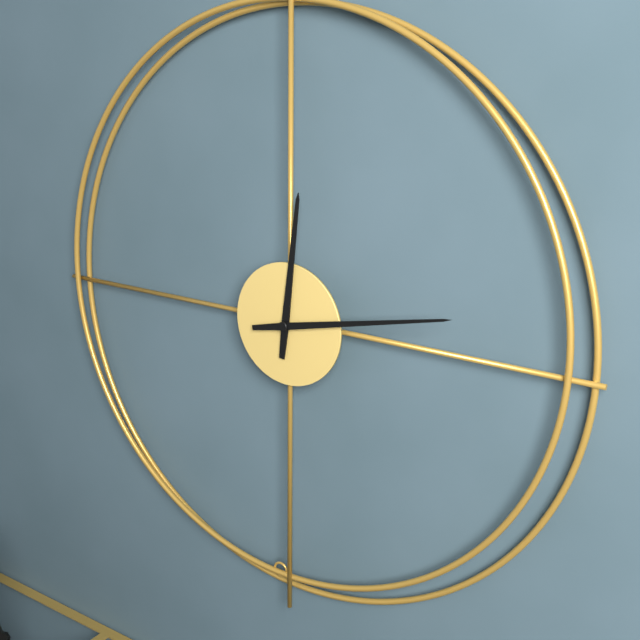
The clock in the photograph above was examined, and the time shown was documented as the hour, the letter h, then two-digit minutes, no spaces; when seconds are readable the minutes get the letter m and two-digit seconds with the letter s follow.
12h13
